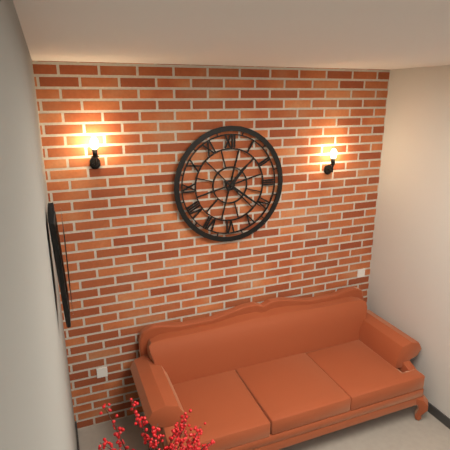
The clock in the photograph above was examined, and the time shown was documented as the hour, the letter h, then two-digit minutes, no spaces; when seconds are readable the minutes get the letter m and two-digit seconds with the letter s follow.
1h21
